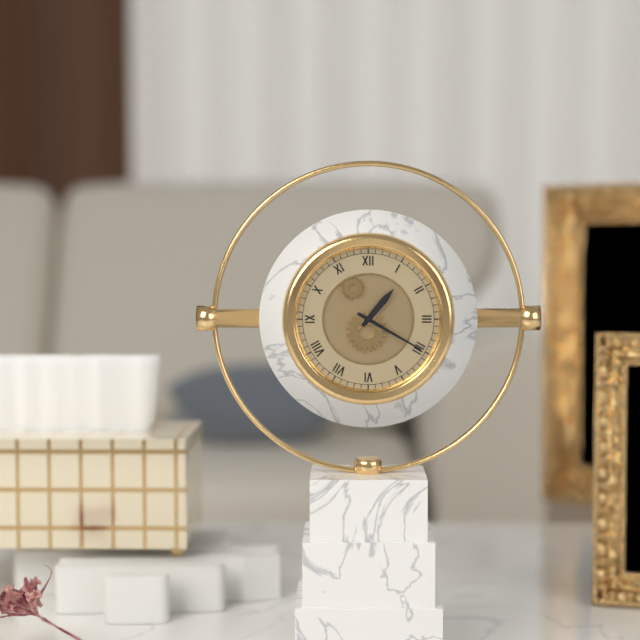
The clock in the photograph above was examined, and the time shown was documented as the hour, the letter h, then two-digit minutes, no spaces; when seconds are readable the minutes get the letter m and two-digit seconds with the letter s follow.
1h20
